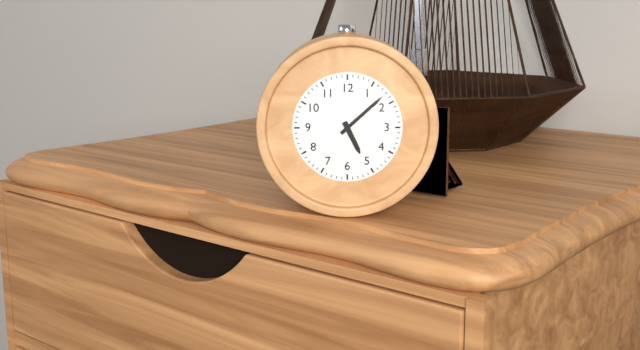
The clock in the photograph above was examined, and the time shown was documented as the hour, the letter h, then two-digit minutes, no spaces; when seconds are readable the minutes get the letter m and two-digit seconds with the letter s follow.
5h08
